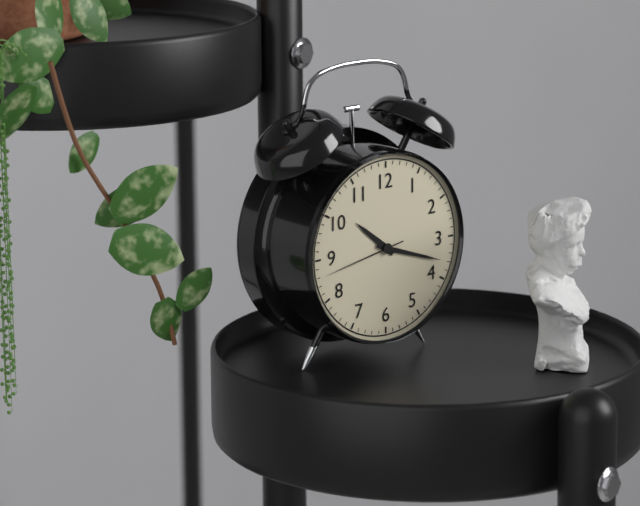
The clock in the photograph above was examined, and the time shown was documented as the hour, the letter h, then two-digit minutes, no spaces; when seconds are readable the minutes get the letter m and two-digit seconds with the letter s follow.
10h18m43s
